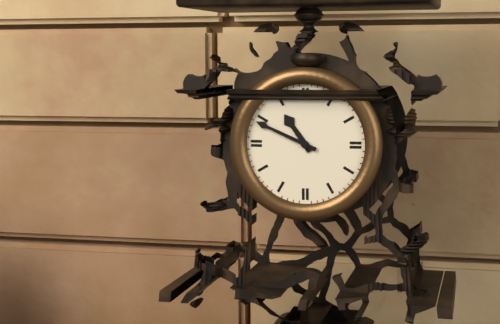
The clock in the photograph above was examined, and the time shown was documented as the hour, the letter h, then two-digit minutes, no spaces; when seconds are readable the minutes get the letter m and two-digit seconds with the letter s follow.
10h49
